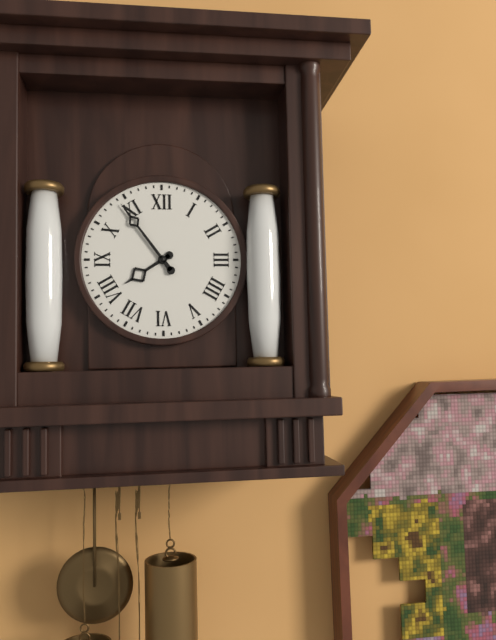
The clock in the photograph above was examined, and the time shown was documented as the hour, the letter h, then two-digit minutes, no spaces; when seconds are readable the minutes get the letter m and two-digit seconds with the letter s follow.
7h54
